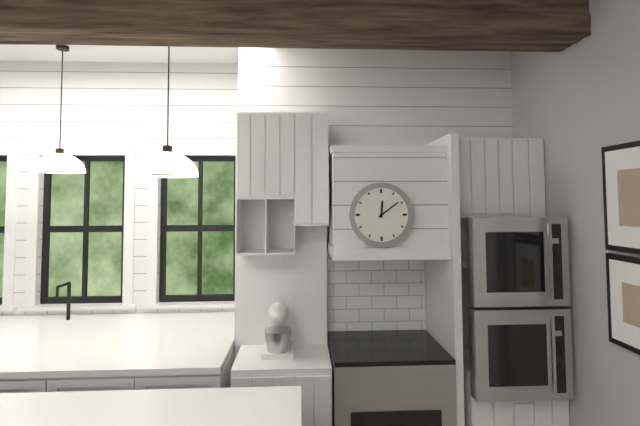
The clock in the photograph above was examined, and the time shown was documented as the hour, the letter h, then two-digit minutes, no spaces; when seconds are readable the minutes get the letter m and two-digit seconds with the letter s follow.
12h09
